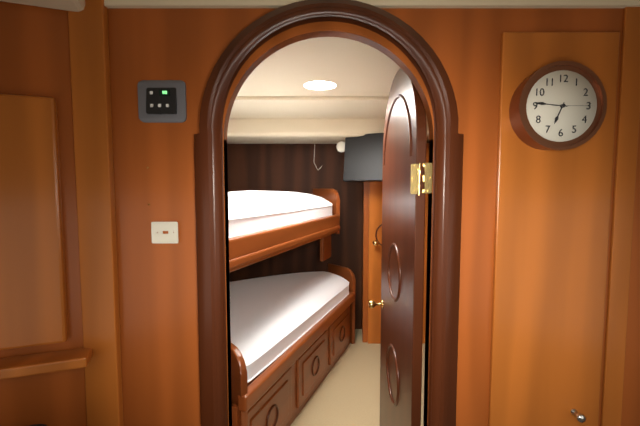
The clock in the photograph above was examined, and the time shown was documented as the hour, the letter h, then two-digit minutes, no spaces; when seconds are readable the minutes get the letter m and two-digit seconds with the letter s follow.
6h46
